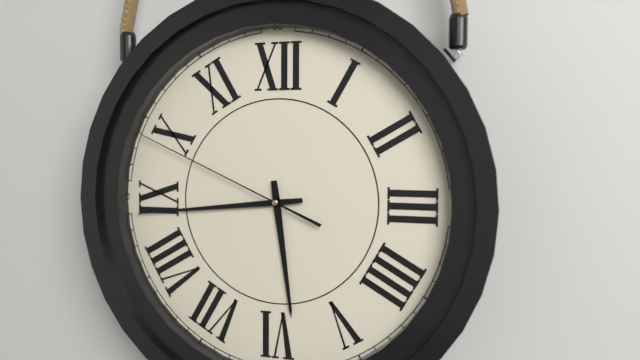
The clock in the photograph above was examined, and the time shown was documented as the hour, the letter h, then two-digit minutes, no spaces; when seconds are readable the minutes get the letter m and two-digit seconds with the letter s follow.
5h44m49s
